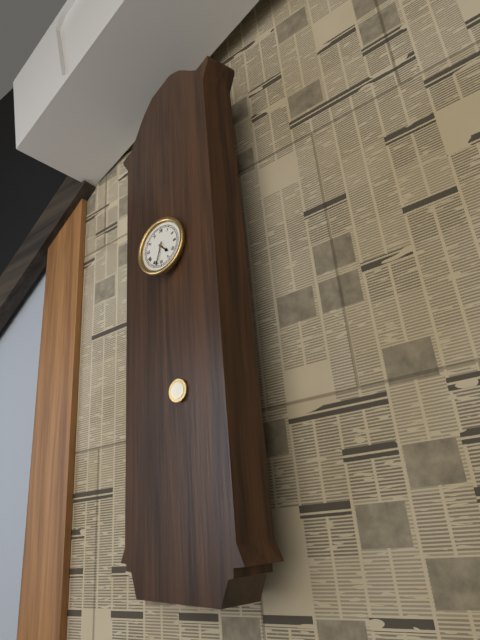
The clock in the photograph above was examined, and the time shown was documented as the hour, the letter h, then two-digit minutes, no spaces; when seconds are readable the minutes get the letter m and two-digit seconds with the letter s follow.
4h33
